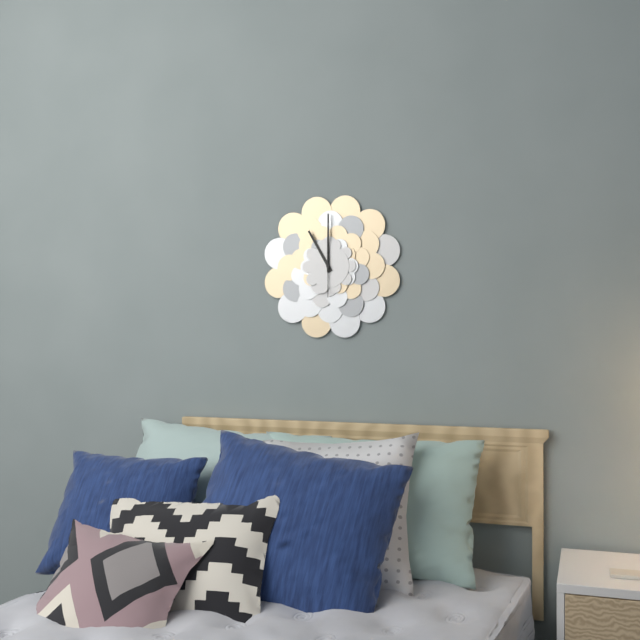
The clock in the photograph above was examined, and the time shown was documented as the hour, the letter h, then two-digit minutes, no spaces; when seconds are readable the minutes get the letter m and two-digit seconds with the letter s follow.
11h00
